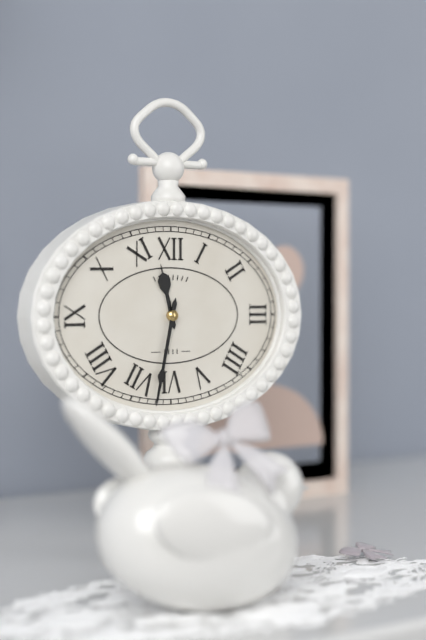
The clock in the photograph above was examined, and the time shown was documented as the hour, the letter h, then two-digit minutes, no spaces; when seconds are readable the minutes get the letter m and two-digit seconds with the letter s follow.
11h32
